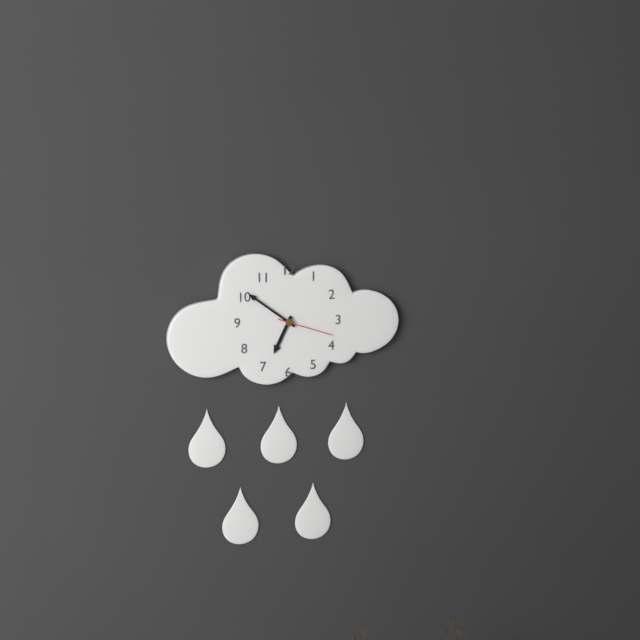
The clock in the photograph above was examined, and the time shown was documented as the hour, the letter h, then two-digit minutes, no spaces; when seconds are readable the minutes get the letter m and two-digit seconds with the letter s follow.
6h51m18s
